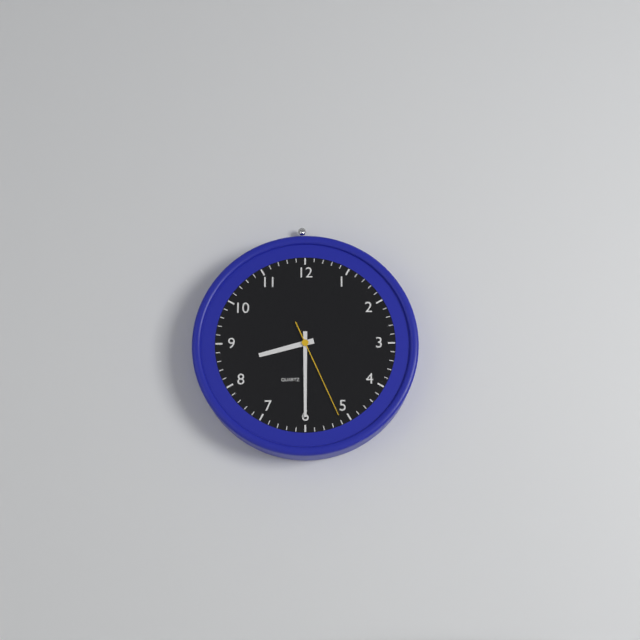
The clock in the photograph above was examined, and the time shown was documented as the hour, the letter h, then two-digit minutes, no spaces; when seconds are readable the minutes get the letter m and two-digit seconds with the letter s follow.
8h30m26s
